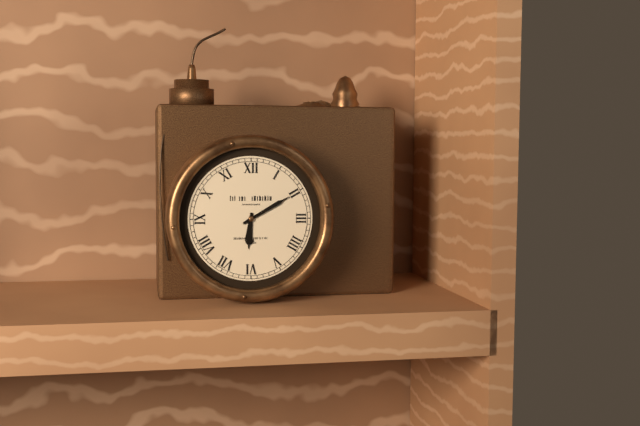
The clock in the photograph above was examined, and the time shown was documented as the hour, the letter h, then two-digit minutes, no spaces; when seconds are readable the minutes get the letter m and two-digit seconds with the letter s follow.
6h10
